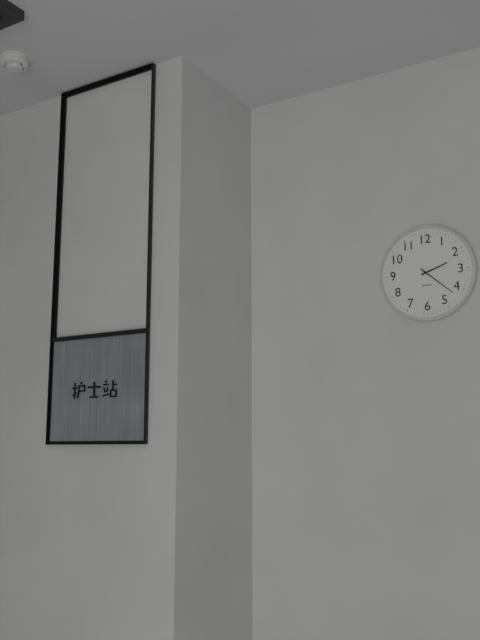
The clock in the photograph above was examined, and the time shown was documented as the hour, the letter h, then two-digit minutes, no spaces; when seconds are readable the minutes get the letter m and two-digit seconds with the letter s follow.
2h22
